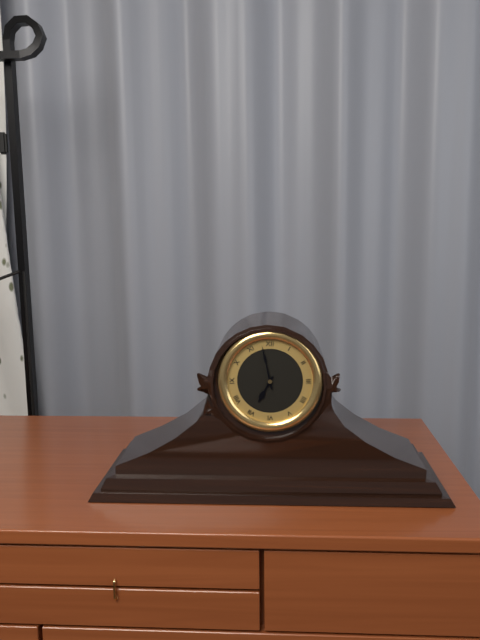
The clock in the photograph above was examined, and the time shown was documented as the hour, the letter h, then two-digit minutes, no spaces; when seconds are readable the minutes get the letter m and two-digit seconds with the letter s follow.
6h58
